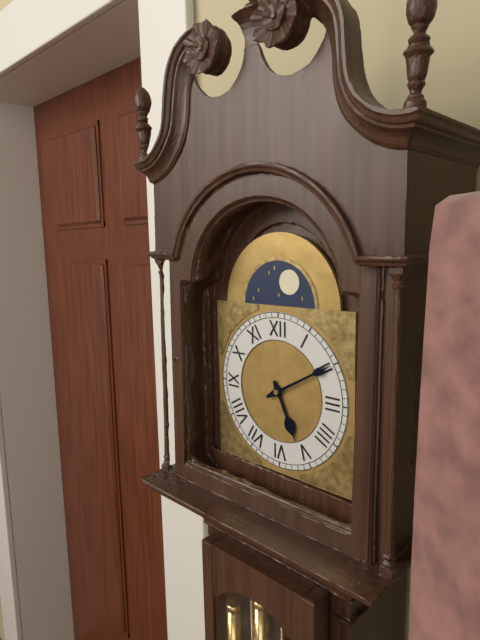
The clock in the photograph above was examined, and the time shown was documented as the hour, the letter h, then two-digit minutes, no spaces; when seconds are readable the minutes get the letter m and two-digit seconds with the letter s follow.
5h10
